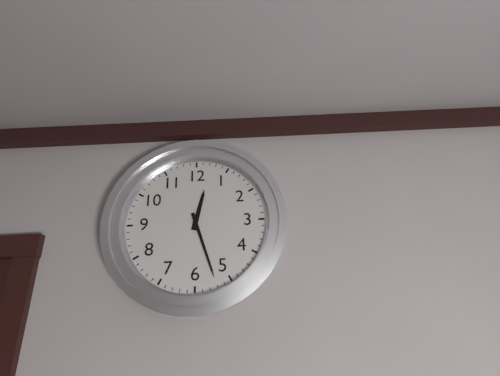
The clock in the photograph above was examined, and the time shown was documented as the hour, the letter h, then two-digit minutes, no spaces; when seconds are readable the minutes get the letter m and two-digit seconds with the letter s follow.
12h27
